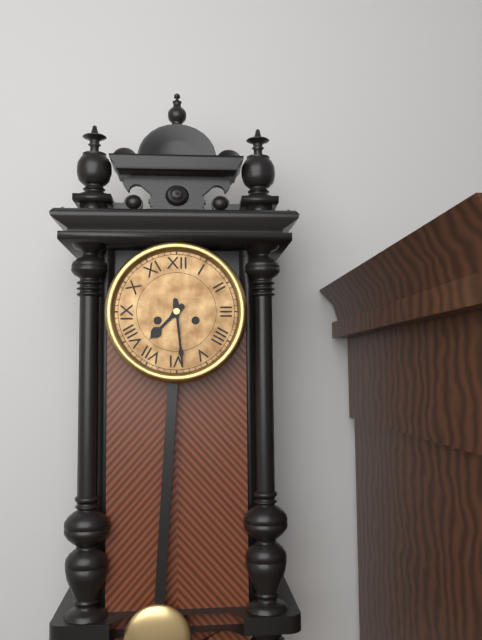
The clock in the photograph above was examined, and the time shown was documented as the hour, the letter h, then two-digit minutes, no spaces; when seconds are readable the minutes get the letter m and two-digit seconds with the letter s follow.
7h29
